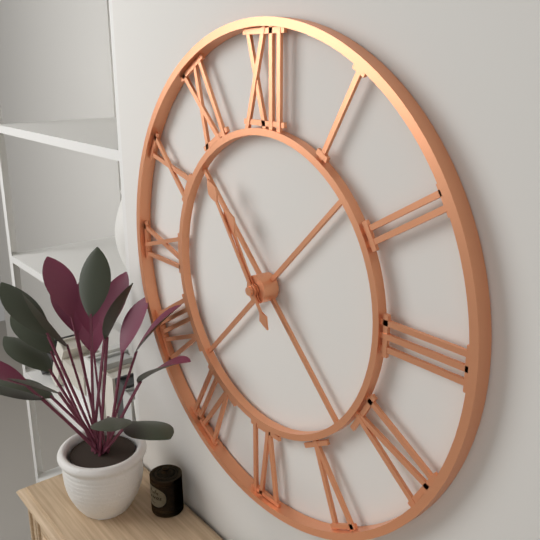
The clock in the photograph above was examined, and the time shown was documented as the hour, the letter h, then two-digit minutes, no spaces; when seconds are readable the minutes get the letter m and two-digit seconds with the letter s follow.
10h54
